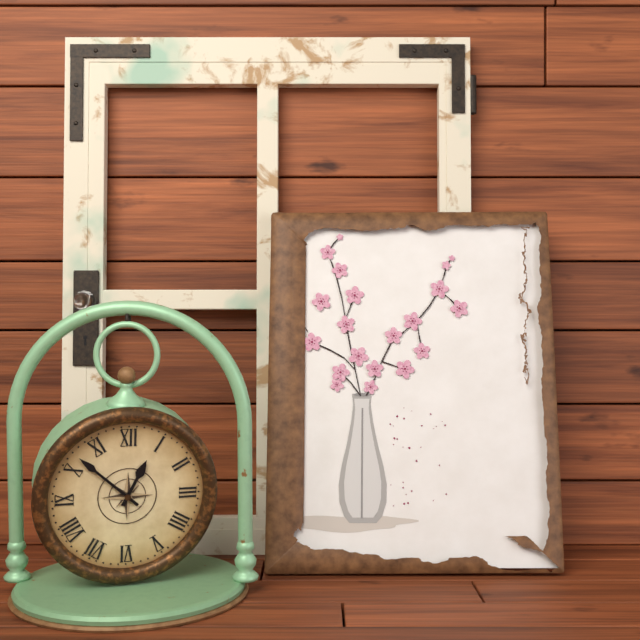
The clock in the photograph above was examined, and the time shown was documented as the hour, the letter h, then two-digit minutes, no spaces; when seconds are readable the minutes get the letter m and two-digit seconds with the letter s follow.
12h52
